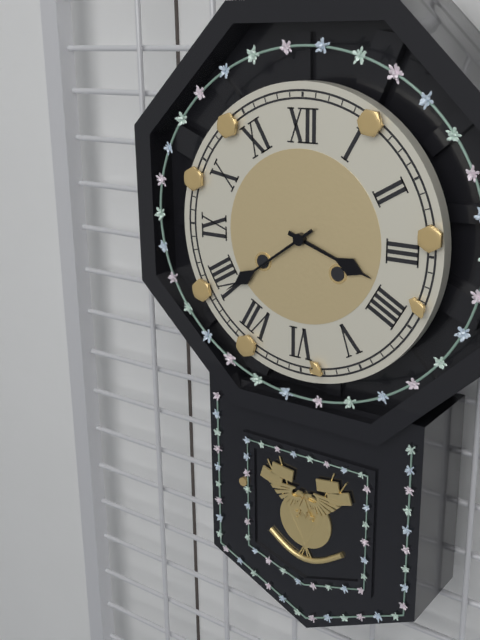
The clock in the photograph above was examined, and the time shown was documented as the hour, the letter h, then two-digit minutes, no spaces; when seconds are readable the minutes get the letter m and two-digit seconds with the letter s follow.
3h39
